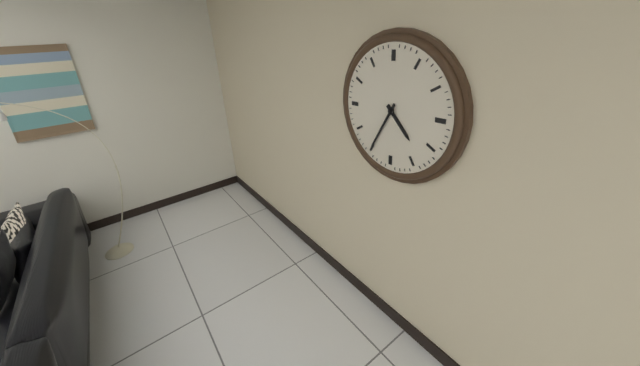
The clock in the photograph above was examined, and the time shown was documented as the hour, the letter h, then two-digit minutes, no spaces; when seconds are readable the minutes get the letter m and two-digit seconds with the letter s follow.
4h35
